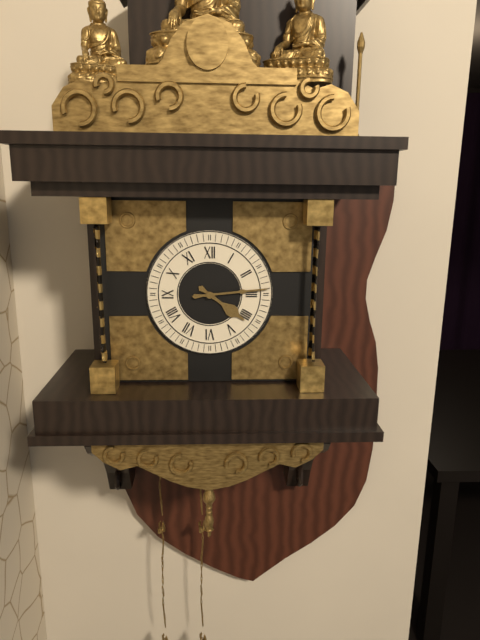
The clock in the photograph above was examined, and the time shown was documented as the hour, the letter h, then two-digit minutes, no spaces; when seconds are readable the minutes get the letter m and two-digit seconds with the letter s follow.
4h14
